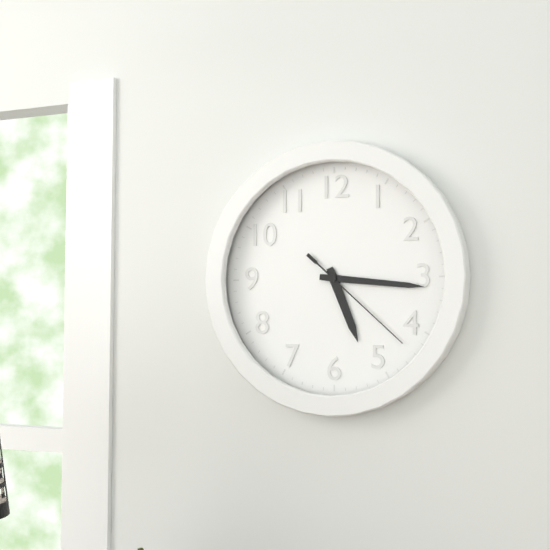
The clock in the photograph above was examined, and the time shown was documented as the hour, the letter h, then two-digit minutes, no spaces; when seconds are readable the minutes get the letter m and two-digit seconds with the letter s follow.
5h16m22s
